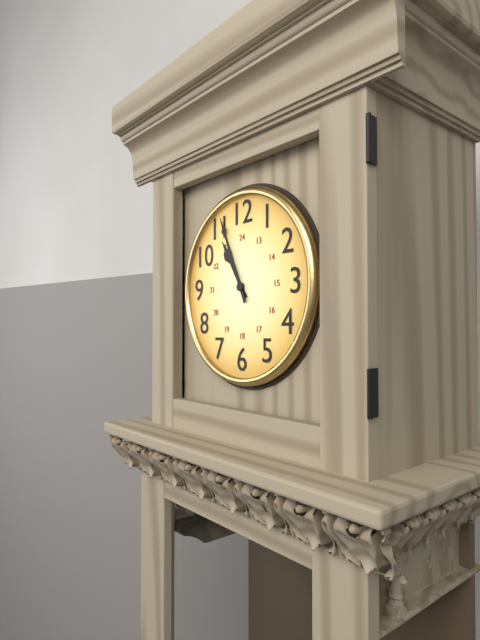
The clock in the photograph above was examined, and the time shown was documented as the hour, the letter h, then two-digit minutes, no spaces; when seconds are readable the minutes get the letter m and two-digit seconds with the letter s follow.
10h56
